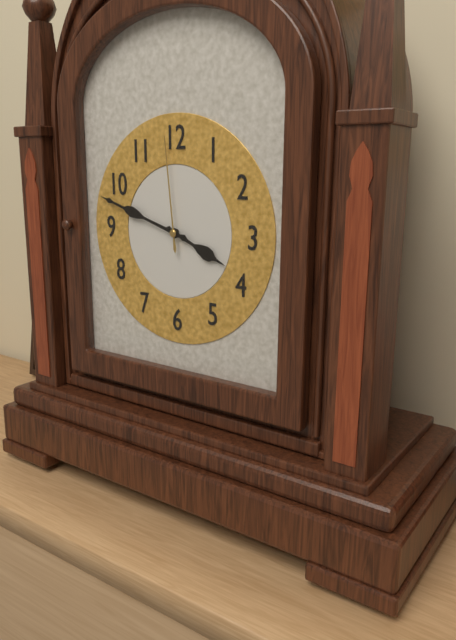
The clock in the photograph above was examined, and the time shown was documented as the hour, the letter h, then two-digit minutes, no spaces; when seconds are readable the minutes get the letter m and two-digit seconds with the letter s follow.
3h48m59s
